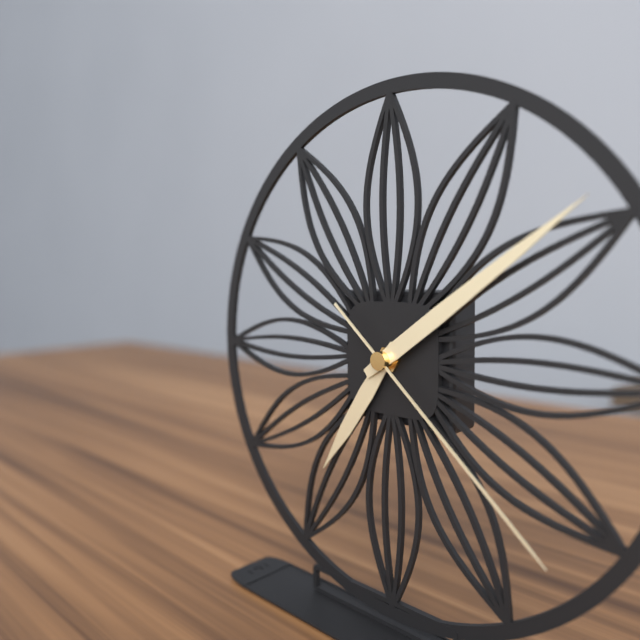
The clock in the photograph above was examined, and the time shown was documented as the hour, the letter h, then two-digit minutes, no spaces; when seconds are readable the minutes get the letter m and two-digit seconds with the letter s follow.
7h09m22s
